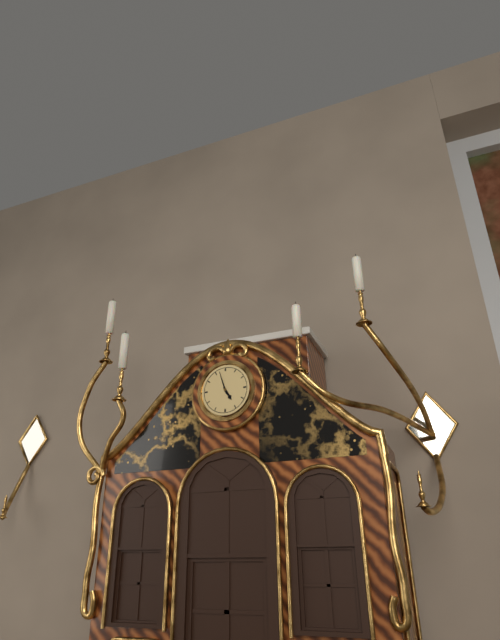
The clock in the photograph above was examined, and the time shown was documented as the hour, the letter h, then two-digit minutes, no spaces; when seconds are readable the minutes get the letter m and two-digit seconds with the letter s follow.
4h57
